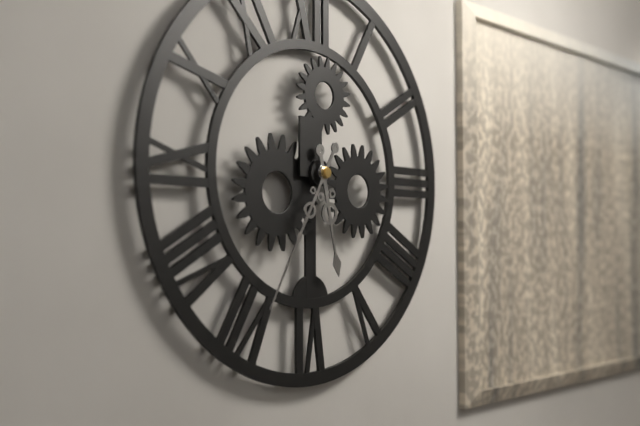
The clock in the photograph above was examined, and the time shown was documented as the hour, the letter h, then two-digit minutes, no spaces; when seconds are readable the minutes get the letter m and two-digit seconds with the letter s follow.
5h35
